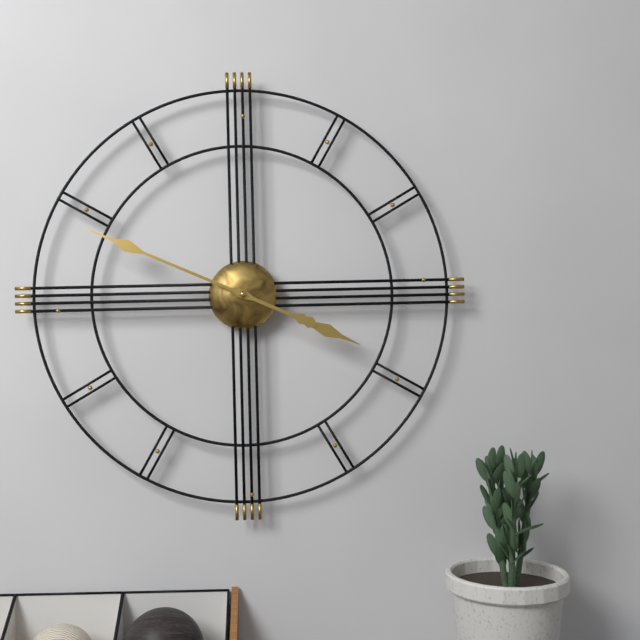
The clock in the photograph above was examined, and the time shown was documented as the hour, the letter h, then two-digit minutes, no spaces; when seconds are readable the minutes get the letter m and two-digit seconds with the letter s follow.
3h49
